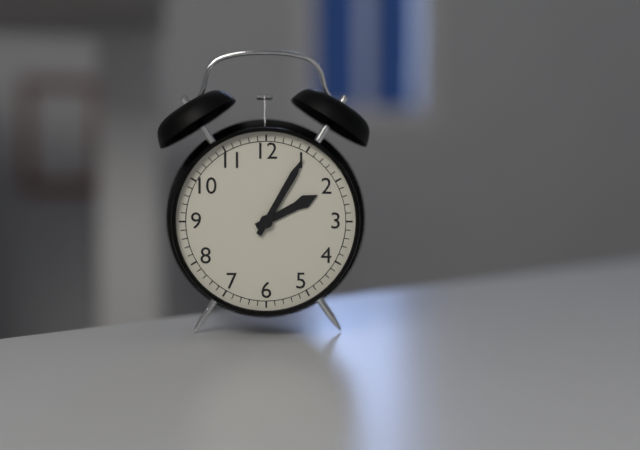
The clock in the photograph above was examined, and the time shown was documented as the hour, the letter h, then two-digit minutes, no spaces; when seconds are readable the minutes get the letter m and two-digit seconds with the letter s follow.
2h05
